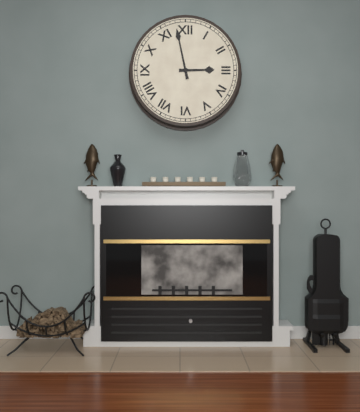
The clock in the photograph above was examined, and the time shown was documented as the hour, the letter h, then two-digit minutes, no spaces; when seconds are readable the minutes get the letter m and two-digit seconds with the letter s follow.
2h58
